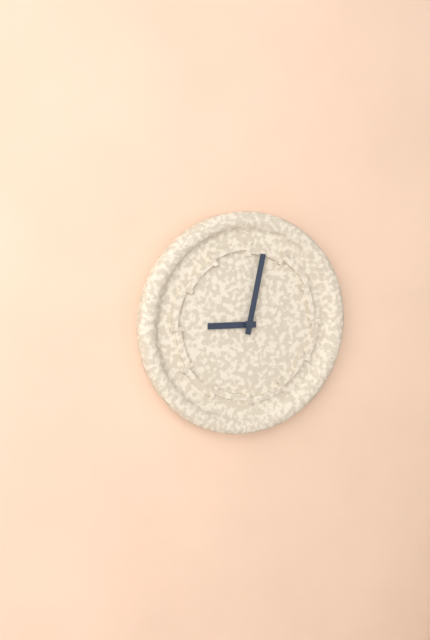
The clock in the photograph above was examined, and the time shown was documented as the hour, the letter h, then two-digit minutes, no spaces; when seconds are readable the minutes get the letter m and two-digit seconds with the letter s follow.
9h02
